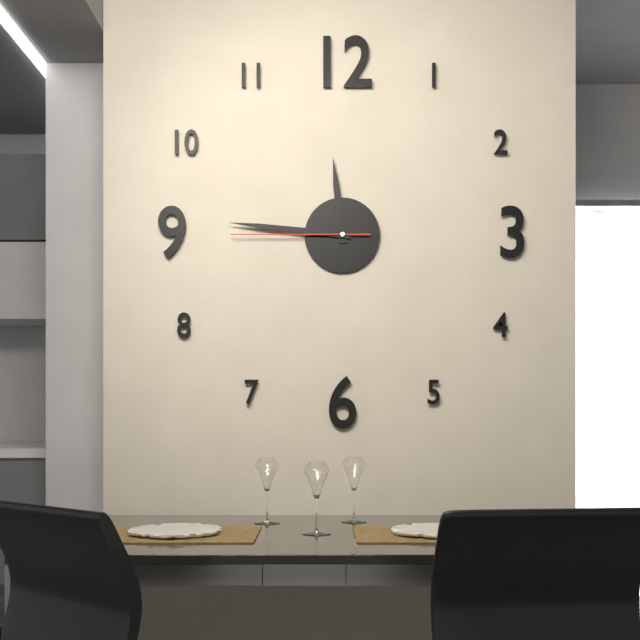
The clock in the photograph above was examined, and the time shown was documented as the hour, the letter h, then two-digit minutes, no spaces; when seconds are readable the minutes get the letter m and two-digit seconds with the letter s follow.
11h46m45s
